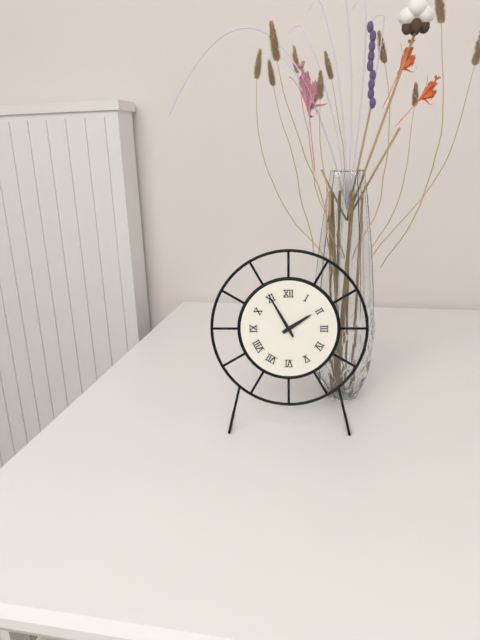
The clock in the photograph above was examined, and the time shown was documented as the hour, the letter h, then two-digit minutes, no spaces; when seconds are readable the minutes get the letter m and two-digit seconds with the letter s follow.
1h55
